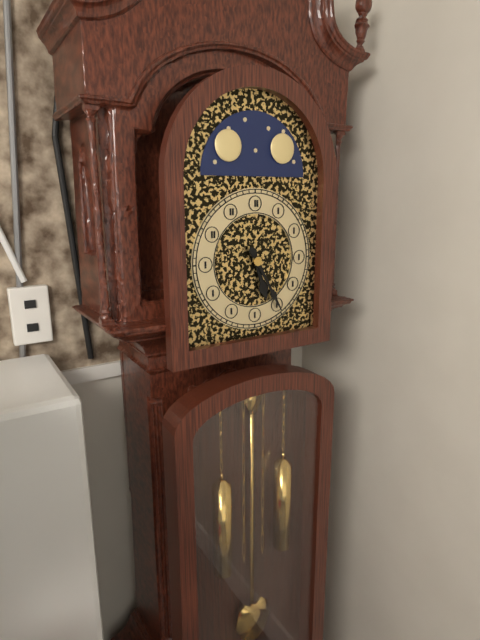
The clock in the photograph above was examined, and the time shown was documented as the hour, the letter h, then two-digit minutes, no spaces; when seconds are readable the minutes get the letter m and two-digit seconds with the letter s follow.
5h25
